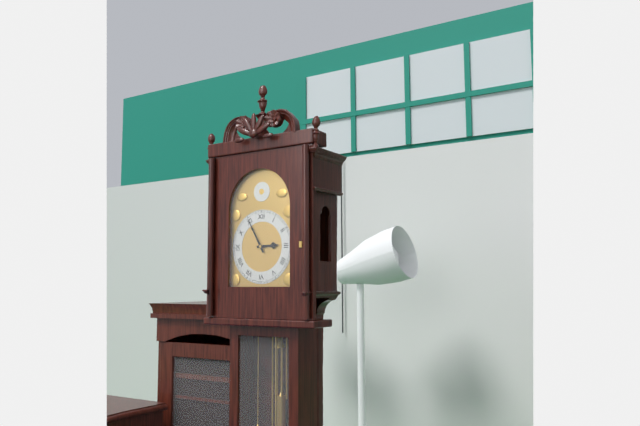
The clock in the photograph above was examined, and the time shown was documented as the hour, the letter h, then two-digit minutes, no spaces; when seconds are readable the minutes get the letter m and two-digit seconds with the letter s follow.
2h55
